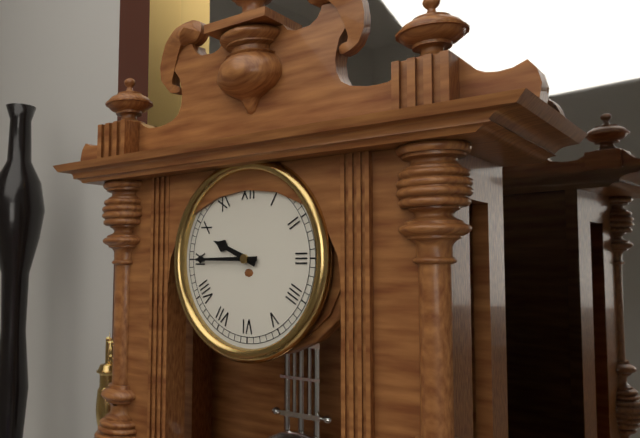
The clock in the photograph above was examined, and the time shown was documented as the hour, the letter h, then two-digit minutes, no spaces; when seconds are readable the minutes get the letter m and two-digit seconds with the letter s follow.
9h45
